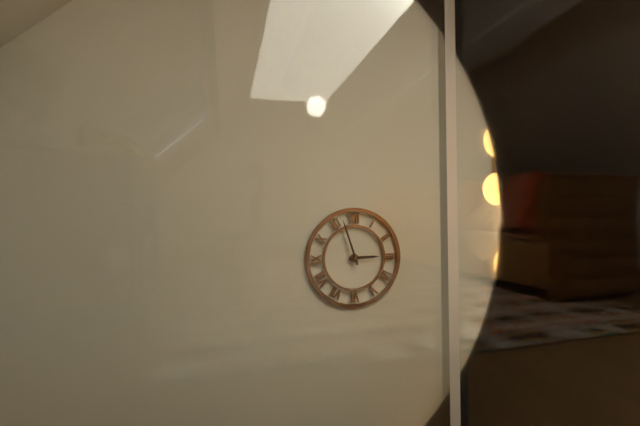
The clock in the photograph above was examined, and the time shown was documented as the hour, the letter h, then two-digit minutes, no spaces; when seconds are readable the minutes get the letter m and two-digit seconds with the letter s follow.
2h57
